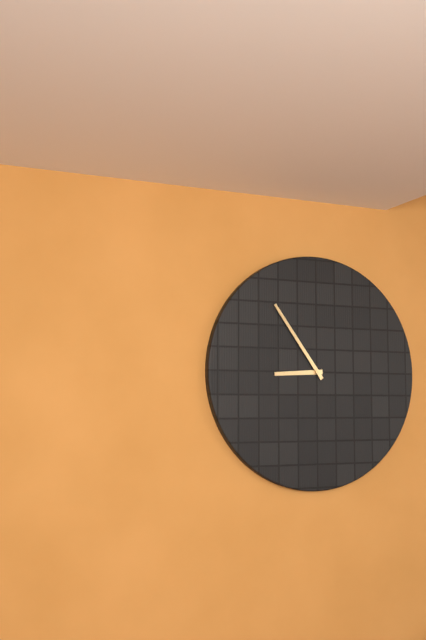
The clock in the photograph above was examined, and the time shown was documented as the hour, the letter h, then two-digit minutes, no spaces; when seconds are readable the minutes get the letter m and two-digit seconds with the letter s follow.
8h54
